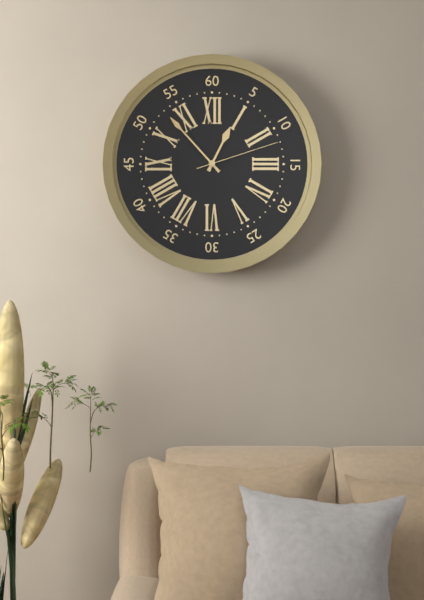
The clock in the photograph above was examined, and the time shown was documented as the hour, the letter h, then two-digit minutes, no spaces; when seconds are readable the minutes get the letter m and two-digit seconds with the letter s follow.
12h53m12s
